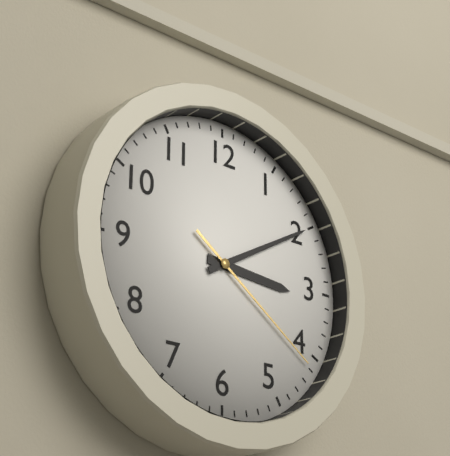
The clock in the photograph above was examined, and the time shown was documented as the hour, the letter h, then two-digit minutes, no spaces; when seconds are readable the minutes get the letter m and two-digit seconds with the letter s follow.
3h10m21s
